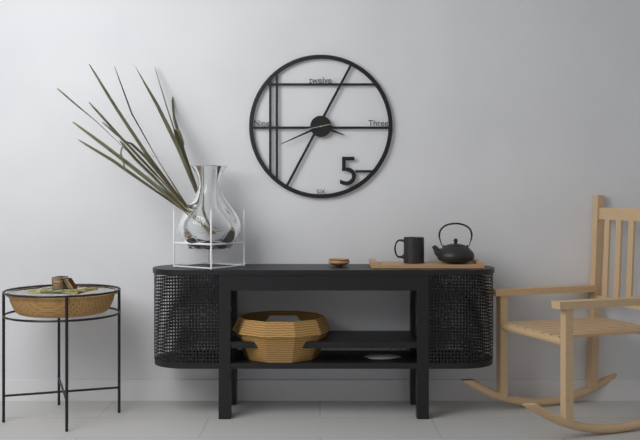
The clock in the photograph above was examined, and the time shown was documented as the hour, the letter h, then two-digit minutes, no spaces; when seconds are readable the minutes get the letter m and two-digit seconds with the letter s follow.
3h41
